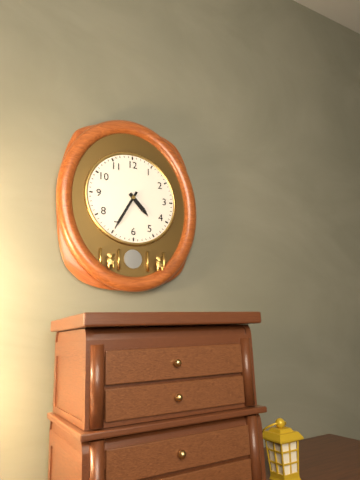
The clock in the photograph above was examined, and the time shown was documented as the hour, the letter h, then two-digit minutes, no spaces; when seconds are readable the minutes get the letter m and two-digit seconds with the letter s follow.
4h35
